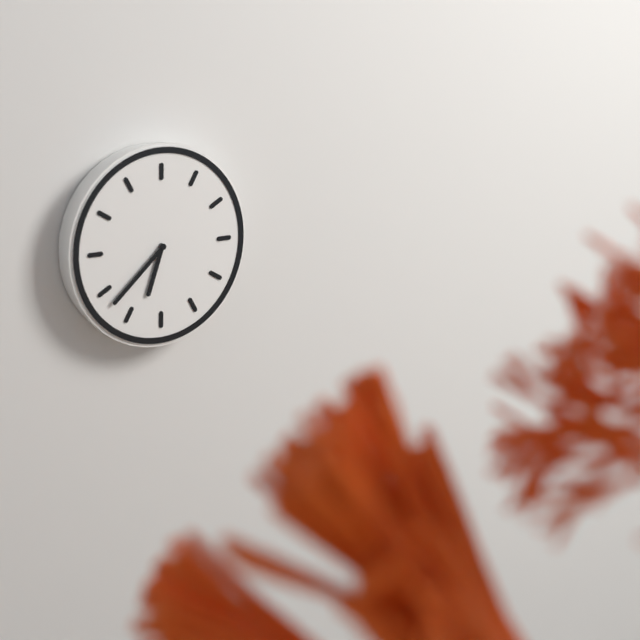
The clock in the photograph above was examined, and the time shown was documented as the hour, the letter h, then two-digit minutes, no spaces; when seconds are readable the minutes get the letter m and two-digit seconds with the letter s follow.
6h38
